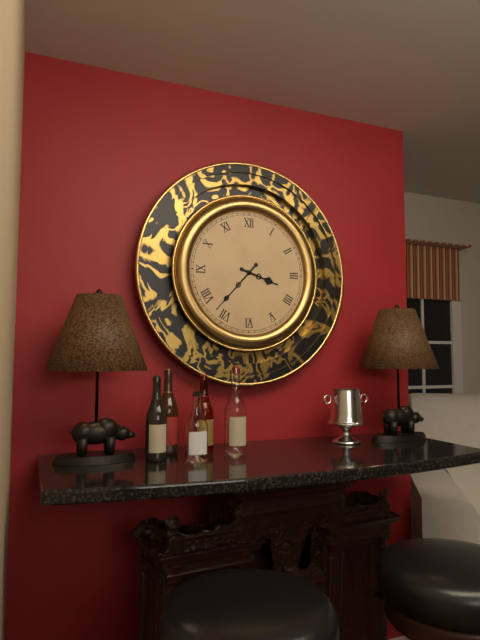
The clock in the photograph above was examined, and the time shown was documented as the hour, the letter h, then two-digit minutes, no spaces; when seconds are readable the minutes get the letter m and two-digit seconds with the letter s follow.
3h37
